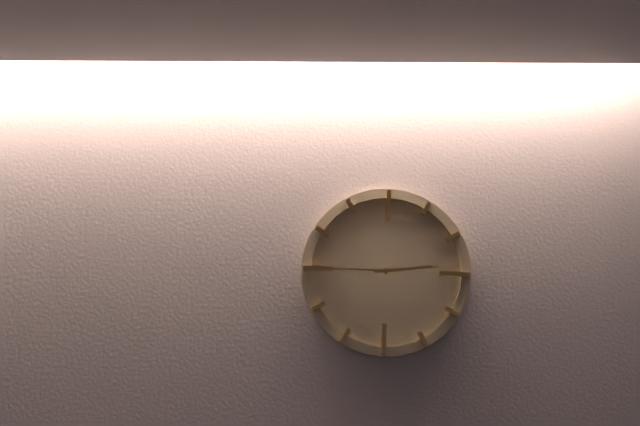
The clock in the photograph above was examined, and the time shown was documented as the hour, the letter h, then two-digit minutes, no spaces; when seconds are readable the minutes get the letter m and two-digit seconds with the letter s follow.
2h45
